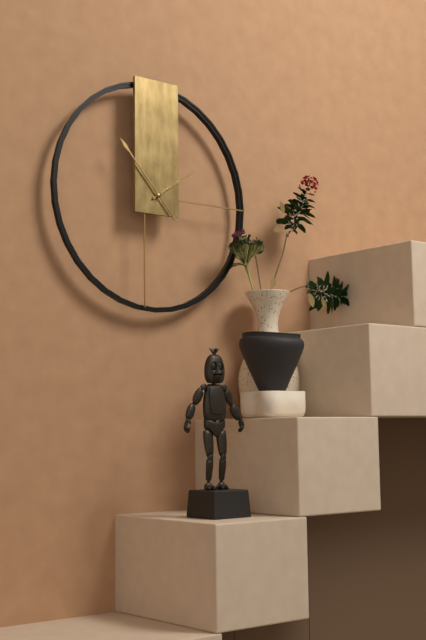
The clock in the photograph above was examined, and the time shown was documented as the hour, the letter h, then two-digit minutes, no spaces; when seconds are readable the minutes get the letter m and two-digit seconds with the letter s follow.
1h53
